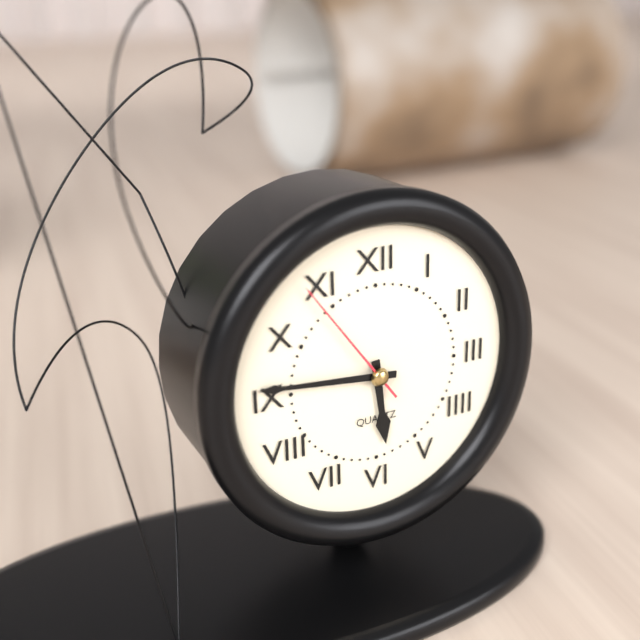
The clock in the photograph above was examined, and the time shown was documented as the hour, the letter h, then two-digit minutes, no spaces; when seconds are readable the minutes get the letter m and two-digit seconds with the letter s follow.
5h46m54s
